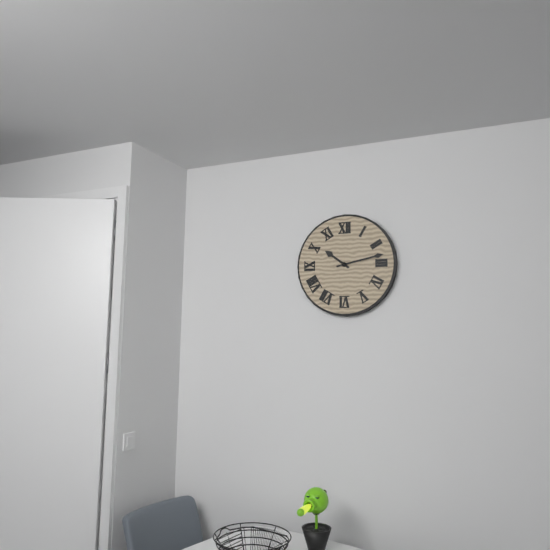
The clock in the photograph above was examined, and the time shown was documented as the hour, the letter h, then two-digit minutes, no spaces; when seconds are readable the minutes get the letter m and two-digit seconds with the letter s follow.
10h13
